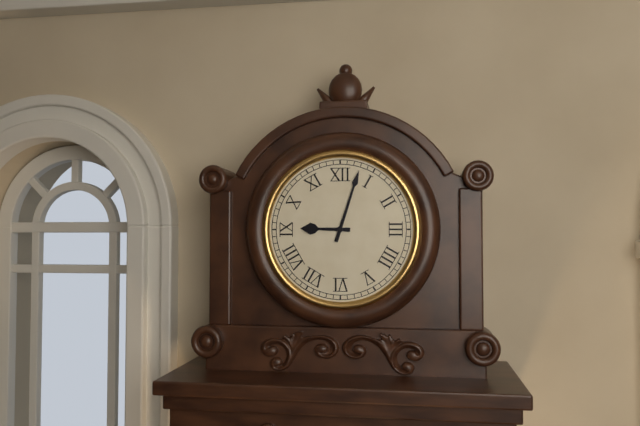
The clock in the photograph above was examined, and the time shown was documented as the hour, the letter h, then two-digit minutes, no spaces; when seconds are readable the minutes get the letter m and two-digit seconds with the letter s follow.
9h03
